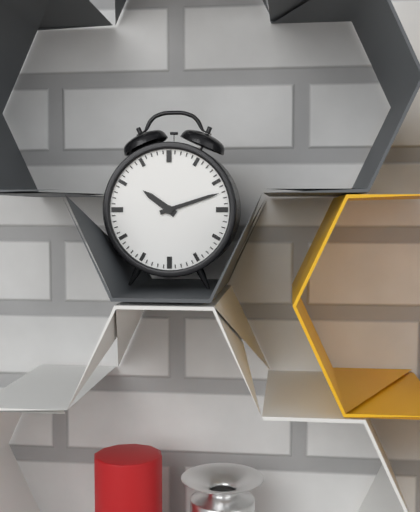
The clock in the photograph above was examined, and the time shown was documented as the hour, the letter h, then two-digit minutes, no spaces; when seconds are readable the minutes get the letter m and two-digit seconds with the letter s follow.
10h12
